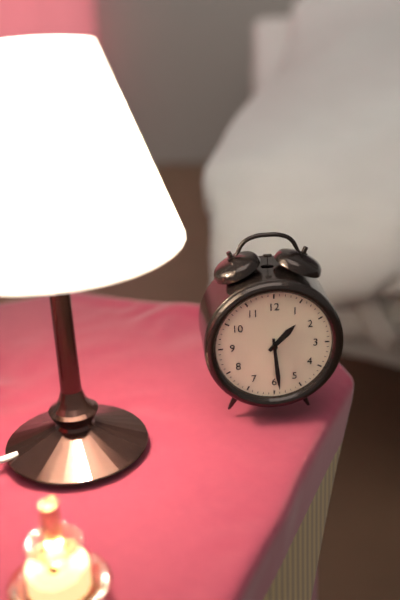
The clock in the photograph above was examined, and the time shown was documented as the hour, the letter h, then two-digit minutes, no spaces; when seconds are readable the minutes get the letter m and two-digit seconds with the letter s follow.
1h29
